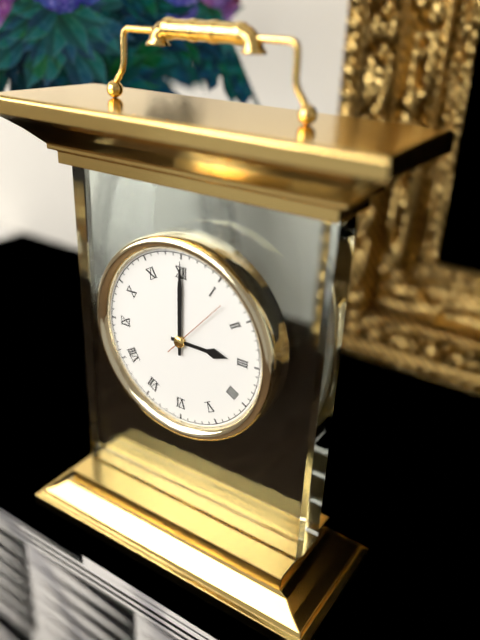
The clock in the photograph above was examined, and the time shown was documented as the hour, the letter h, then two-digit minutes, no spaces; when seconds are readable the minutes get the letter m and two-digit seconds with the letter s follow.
3h00m07s
